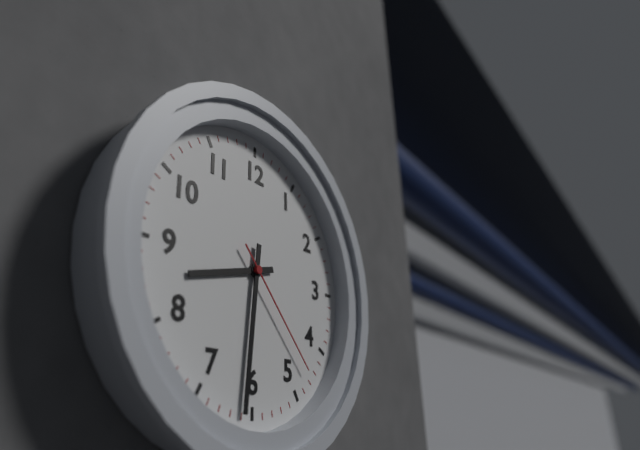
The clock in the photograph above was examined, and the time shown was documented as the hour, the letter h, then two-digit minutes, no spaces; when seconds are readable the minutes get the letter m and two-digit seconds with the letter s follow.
8h31m23s
